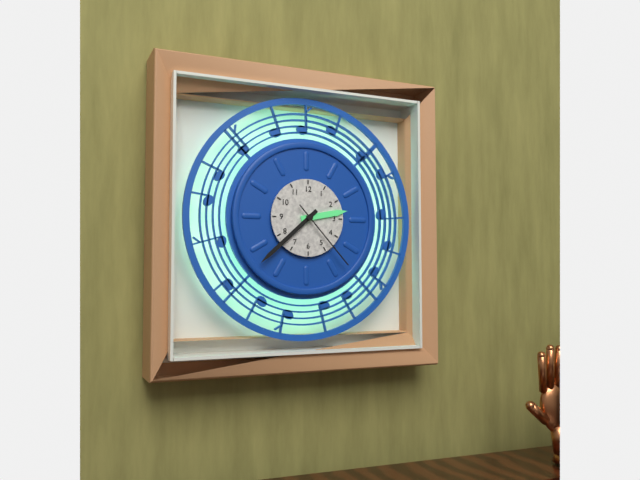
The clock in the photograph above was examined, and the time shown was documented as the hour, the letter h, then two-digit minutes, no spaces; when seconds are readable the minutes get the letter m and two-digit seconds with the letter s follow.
2h38m23s
